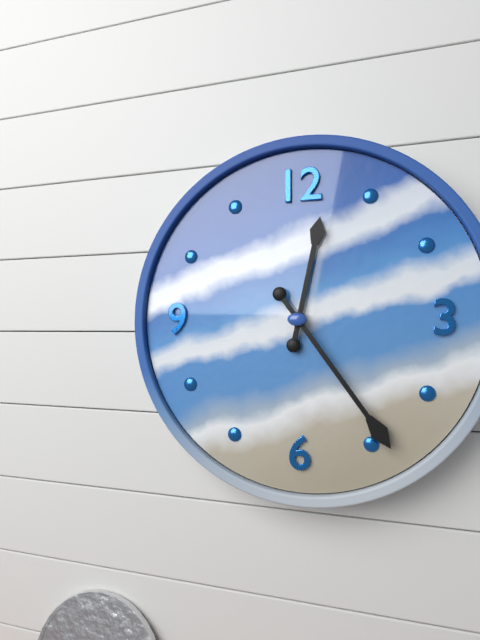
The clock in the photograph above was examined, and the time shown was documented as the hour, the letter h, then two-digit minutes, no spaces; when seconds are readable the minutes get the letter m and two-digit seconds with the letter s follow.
12h24
